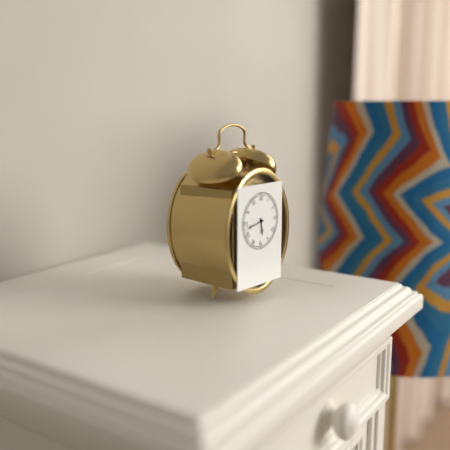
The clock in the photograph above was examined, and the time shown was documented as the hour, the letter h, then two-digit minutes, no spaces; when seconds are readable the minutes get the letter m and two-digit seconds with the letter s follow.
5h43
